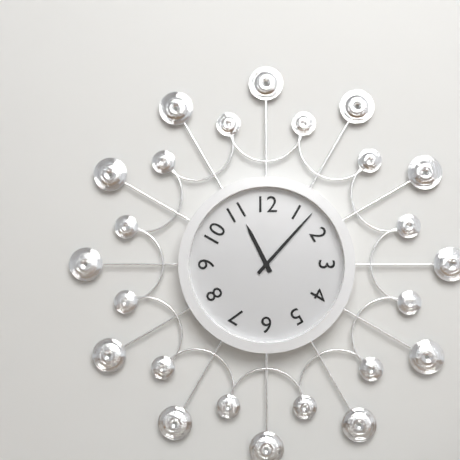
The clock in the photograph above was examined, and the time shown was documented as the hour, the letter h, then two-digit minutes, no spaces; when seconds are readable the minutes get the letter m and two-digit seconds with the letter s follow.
11h07
